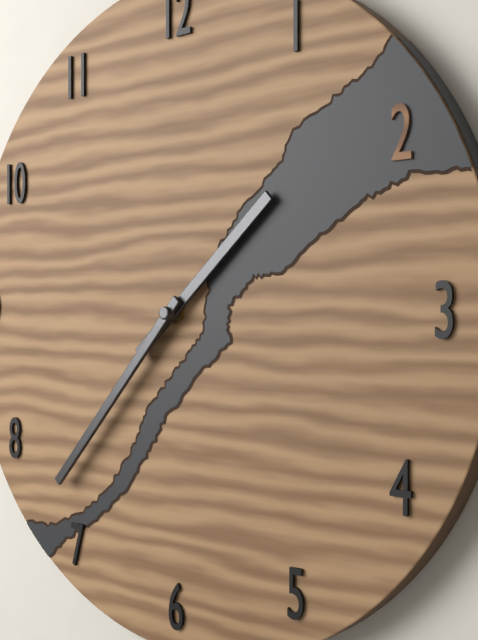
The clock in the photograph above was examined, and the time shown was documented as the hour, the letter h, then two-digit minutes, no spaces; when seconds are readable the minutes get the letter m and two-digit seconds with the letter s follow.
1h37
